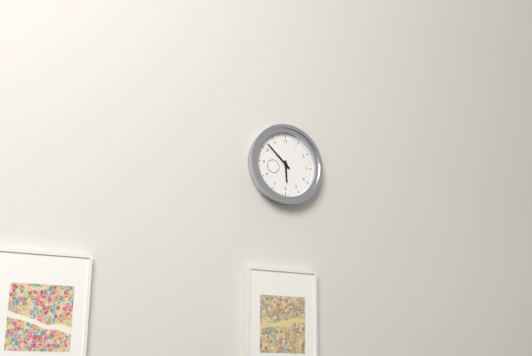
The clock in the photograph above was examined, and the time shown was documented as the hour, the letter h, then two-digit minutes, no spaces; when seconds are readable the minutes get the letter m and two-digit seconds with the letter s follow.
5h52
